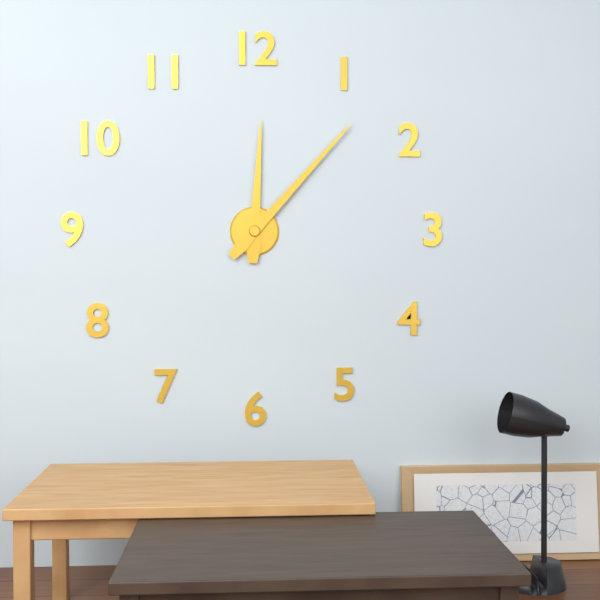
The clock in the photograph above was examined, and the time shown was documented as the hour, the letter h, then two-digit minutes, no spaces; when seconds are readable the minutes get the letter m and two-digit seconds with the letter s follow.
12h07
